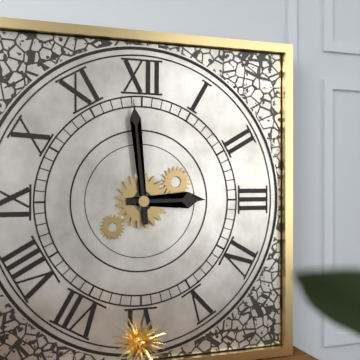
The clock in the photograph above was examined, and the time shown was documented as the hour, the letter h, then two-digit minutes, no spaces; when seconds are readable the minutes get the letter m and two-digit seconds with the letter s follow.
2h59
